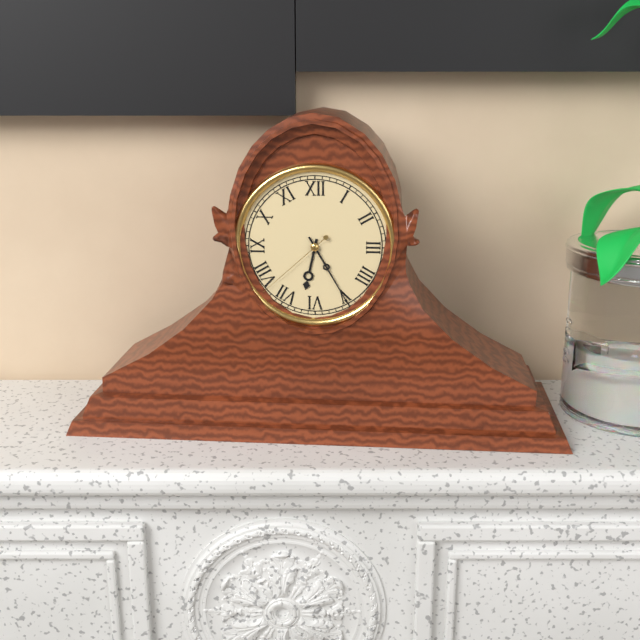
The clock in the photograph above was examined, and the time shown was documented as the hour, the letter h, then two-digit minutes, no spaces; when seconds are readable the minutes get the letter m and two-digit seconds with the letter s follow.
6h25m38s
